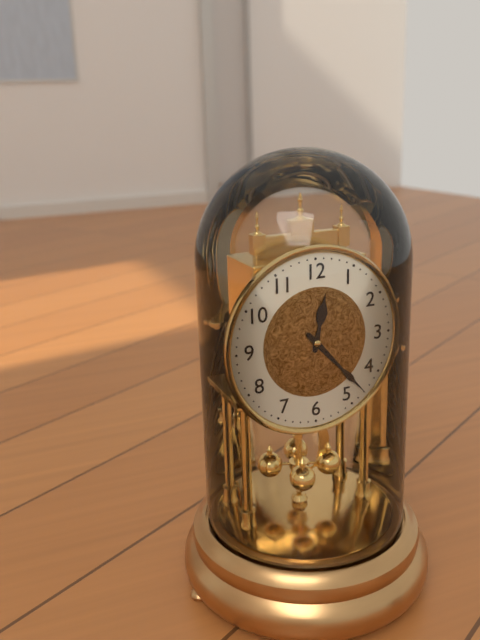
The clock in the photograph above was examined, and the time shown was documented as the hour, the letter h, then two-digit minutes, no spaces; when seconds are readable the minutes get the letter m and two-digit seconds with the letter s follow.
12h23
